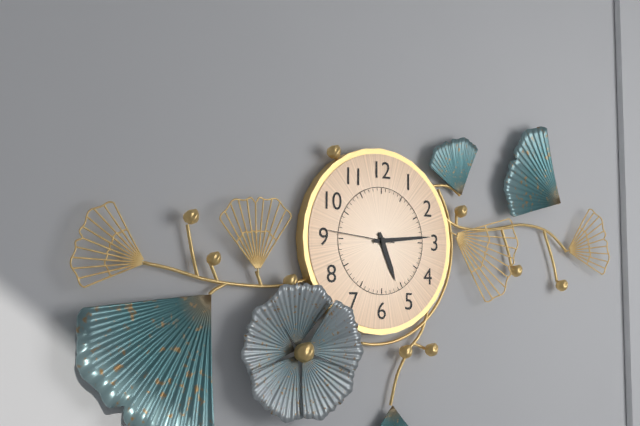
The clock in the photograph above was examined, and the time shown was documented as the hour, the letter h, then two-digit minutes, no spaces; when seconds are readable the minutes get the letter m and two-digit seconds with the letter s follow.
5h14m46s
